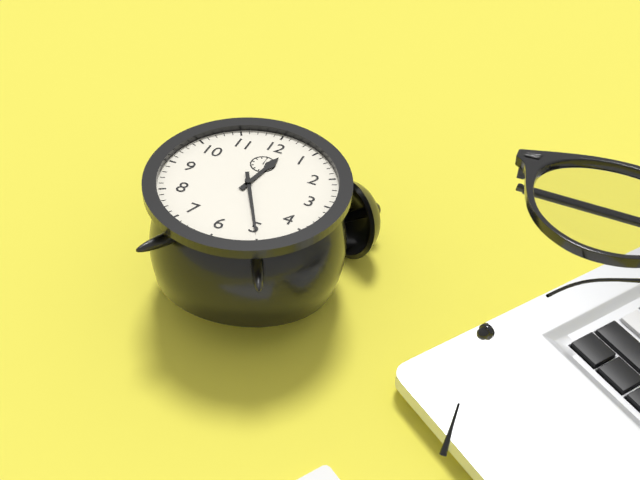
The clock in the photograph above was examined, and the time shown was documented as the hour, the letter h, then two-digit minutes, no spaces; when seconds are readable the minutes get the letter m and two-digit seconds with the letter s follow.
12h25
